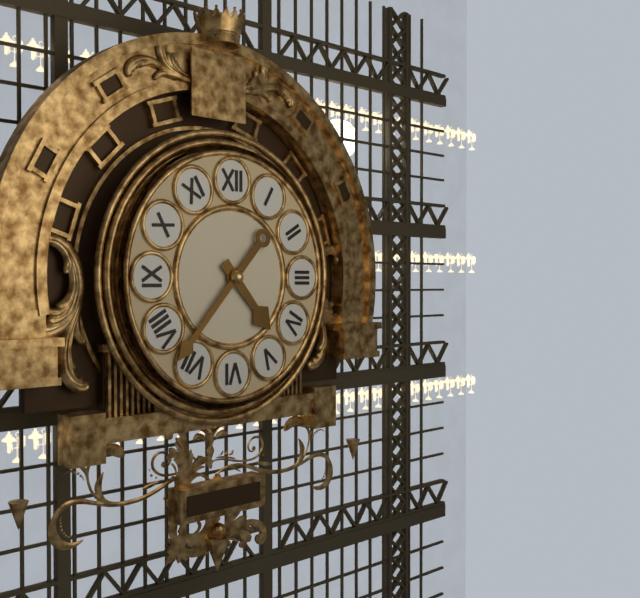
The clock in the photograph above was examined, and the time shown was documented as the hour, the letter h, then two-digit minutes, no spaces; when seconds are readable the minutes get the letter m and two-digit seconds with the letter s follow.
4h37
